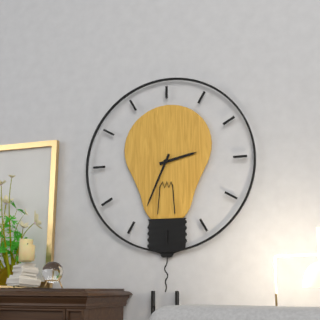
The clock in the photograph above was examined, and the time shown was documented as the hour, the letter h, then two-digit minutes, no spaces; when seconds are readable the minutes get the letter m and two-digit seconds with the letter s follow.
2h34
